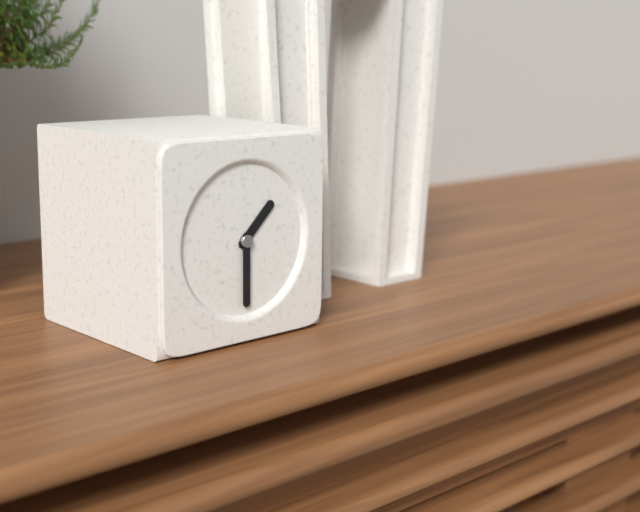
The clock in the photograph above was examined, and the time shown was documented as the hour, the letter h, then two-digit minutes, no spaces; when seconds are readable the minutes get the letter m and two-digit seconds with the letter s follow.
1h30
